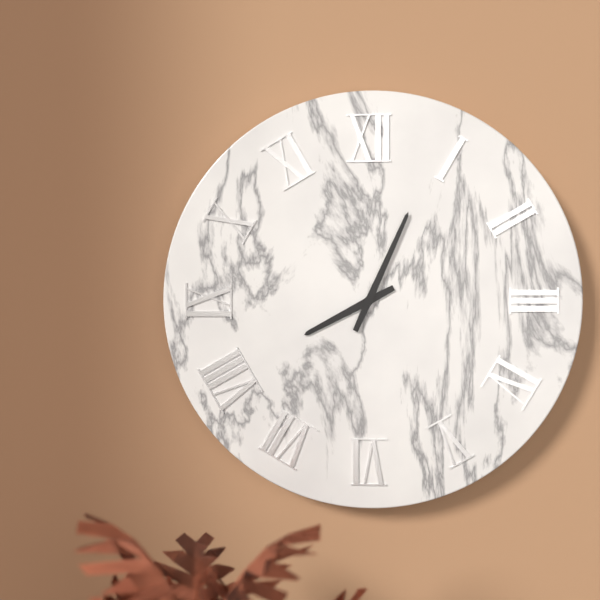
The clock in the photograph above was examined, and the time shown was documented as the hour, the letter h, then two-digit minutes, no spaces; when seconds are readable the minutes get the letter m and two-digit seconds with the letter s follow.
8h04
